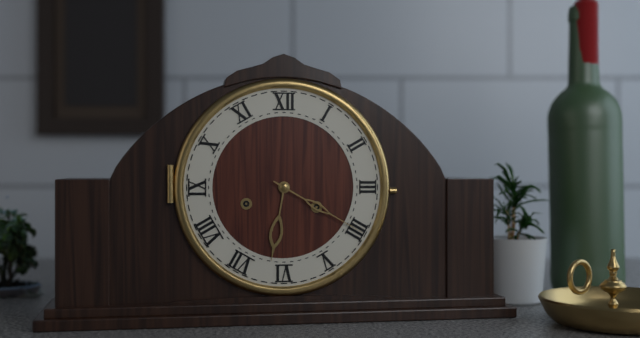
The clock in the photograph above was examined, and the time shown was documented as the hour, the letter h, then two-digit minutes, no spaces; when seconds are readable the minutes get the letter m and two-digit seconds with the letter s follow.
6h20
